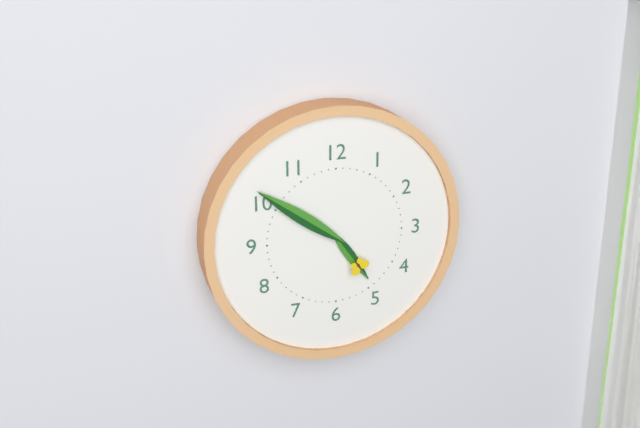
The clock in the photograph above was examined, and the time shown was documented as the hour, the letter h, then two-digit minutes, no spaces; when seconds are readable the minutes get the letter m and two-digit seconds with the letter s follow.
4h51
